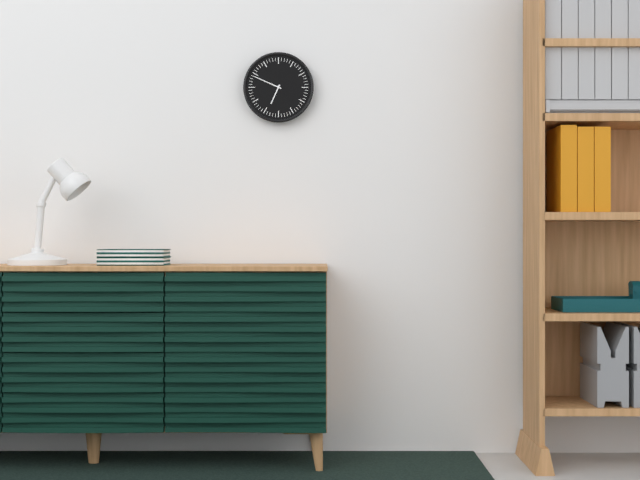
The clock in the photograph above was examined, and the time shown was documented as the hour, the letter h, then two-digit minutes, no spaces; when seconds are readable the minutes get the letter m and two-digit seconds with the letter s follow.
6h49
